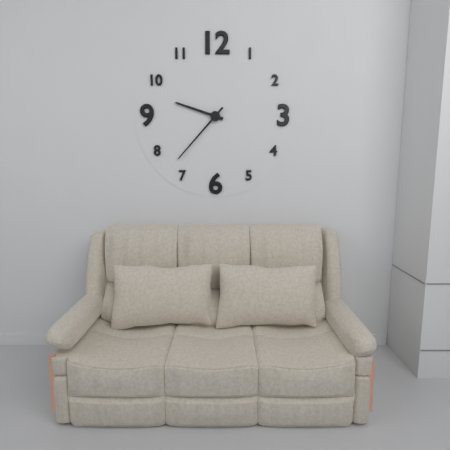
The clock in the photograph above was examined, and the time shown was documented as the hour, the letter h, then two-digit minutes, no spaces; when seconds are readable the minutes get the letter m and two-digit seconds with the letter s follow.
9h37
